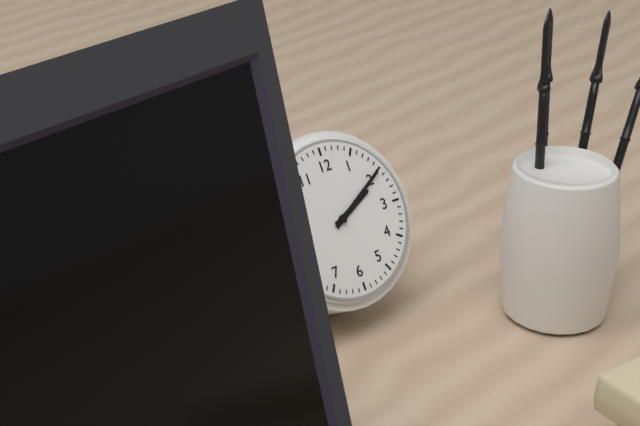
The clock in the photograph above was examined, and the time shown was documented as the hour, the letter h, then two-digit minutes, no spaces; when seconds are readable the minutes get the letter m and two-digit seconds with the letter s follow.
2h10
